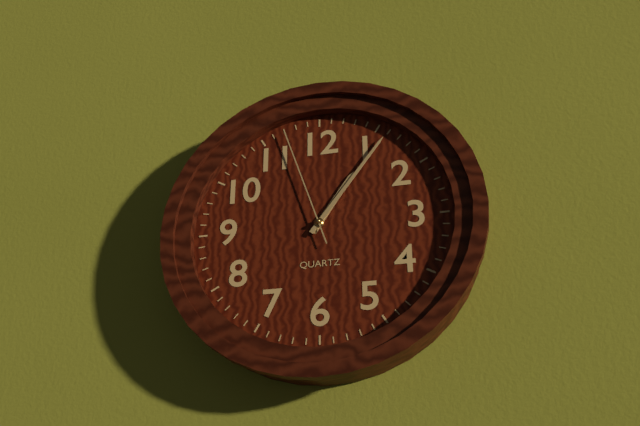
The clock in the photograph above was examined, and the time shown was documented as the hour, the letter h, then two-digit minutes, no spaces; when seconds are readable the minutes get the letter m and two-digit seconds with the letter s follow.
1h06m57s
